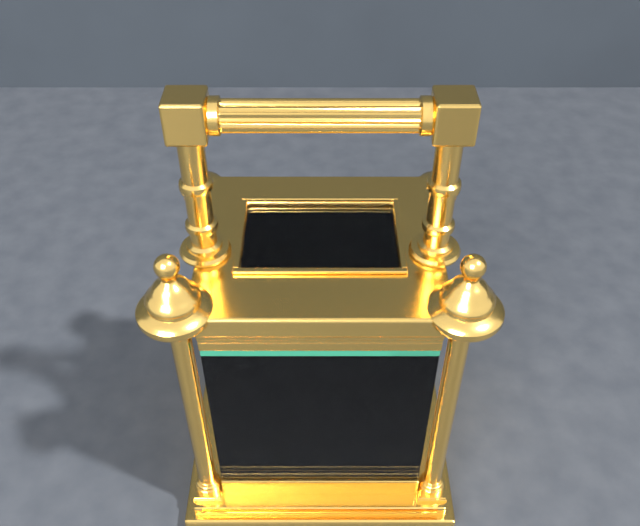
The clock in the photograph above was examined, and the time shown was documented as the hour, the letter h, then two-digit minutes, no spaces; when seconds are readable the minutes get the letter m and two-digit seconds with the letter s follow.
1h48
